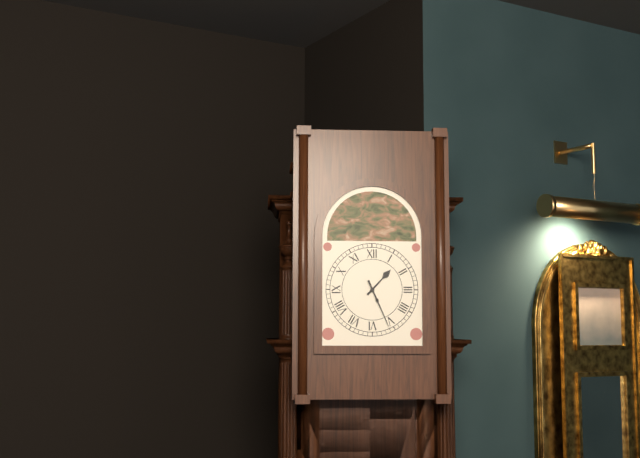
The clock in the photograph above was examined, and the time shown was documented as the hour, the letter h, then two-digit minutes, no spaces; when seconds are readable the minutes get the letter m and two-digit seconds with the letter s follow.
1h26
